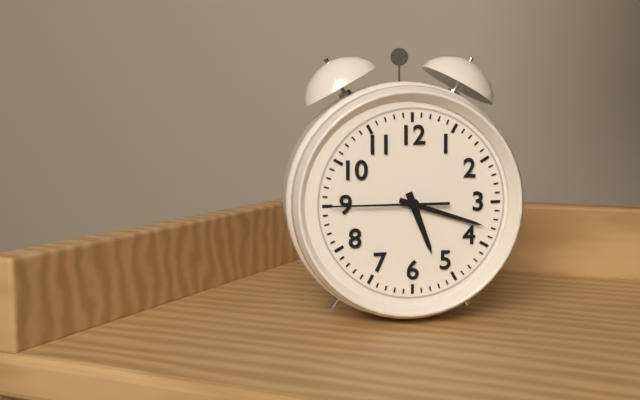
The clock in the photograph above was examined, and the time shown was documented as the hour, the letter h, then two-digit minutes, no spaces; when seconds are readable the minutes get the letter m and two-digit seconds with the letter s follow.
5h18m45s
